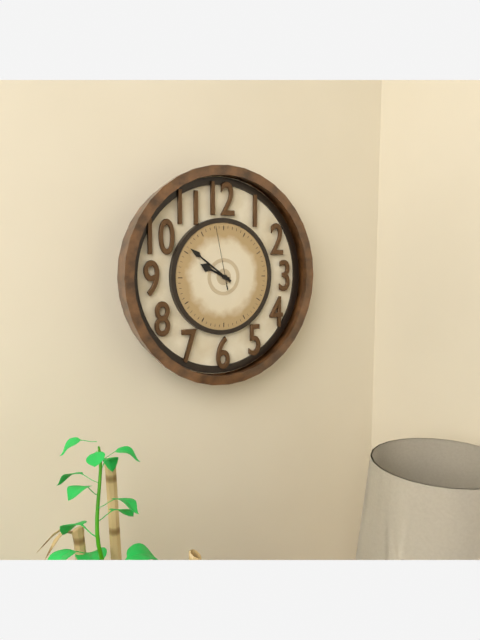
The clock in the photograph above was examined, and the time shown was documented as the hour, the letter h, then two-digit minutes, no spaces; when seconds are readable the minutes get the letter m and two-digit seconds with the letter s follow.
9h51m58s
